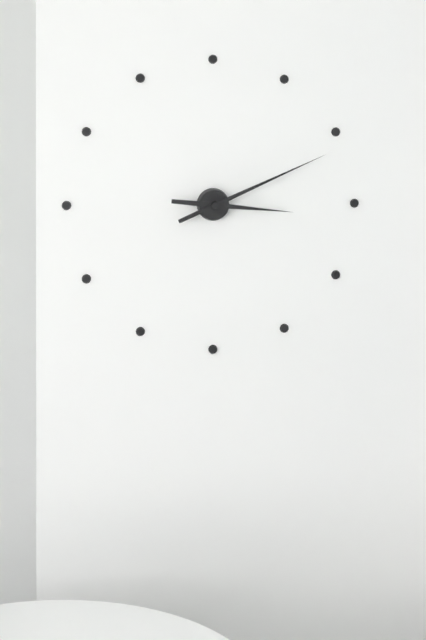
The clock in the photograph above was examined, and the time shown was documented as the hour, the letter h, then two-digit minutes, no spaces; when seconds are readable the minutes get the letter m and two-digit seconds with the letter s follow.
3h11
